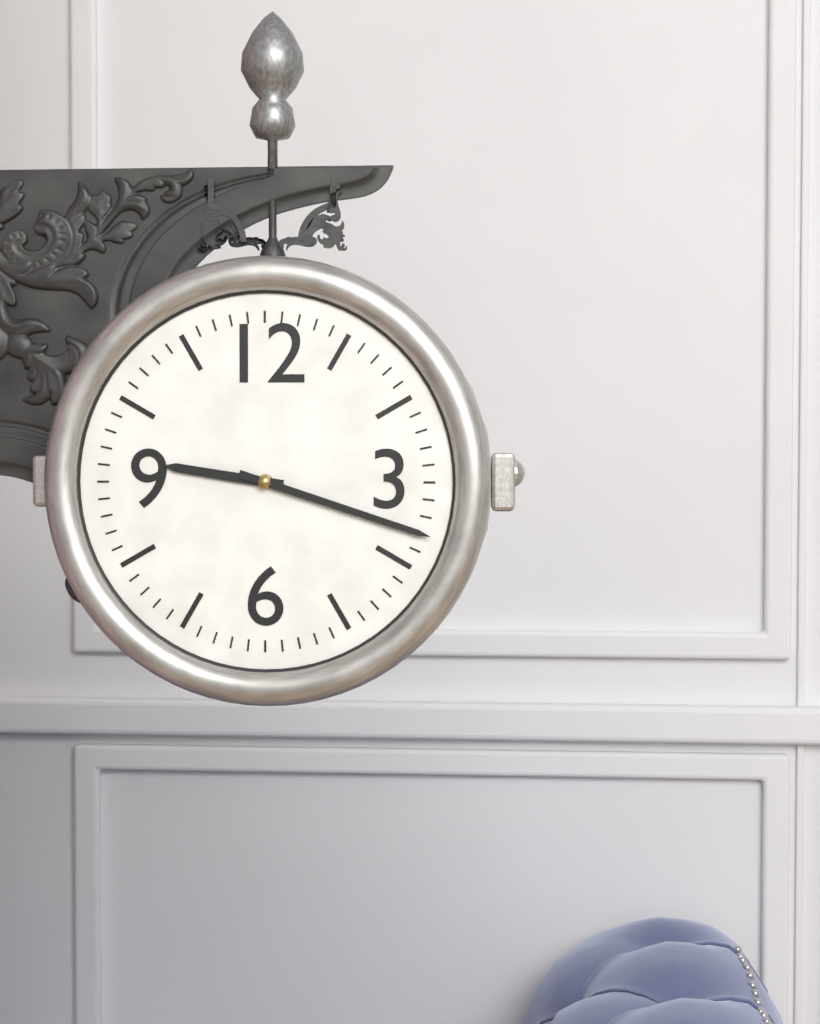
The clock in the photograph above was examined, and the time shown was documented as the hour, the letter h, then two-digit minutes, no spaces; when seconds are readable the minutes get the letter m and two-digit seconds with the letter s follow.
9h18
